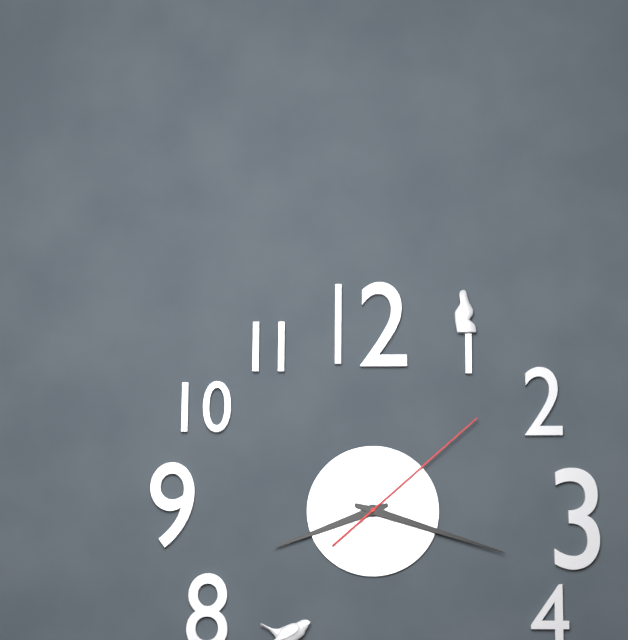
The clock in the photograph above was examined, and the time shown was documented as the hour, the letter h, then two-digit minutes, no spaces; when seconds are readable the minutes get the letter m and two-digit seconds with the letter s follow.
8h18m08s
